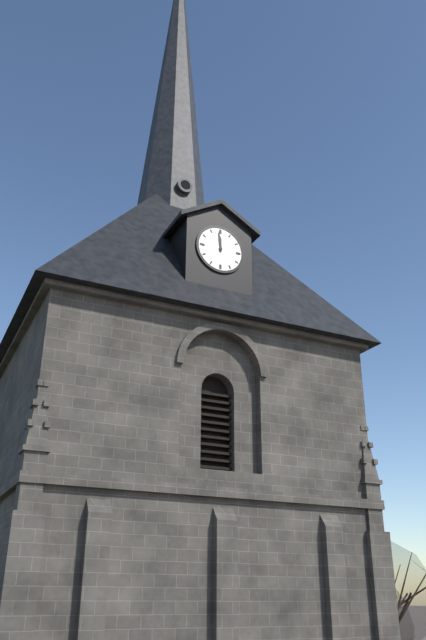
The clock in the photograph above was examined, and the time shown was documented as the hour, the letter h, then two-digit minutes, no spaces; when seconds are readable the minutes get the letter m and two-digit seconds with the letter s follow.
11h59
